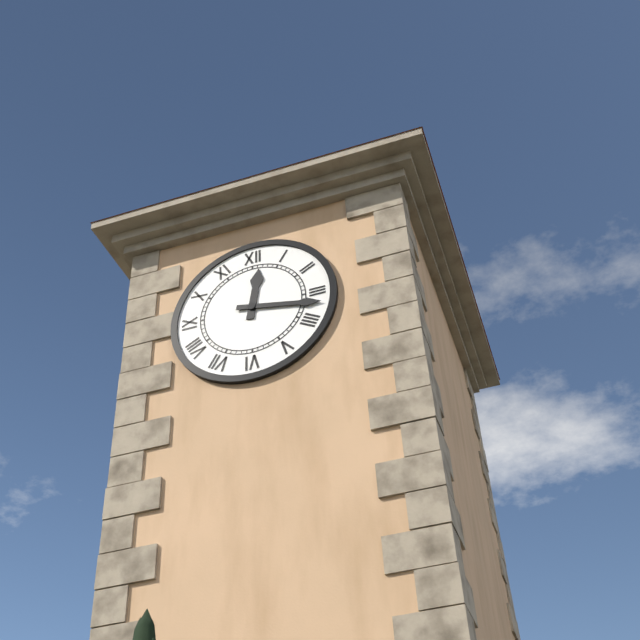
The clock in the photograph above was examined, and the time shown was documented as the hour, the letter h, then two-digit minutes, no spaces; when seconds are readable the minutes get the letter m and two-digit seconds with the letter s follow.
12h17
